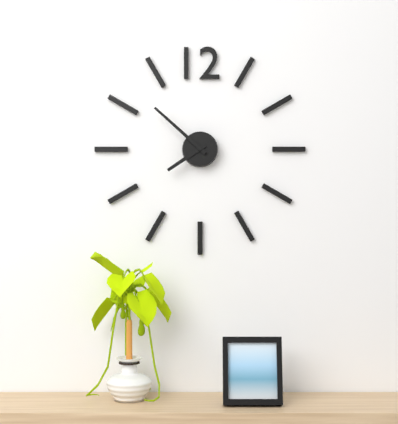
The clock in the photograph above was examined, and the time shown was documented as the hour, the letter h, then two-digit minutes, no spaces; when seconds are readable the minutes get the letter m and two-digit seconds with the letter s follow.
7h52
